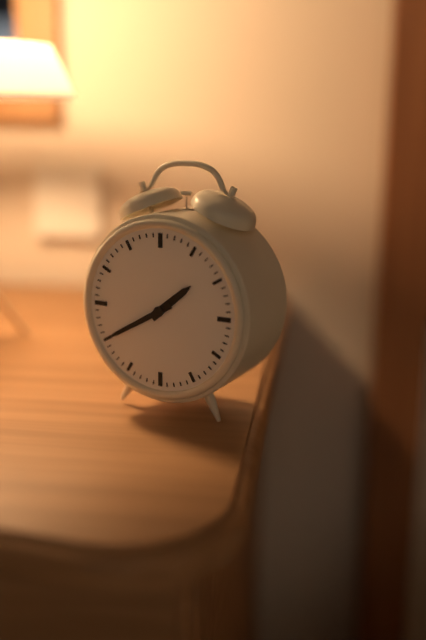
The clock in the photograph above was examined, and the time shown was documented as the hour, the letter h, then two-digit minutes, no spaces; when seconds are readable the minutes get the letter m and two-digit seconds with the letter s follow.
1h40
